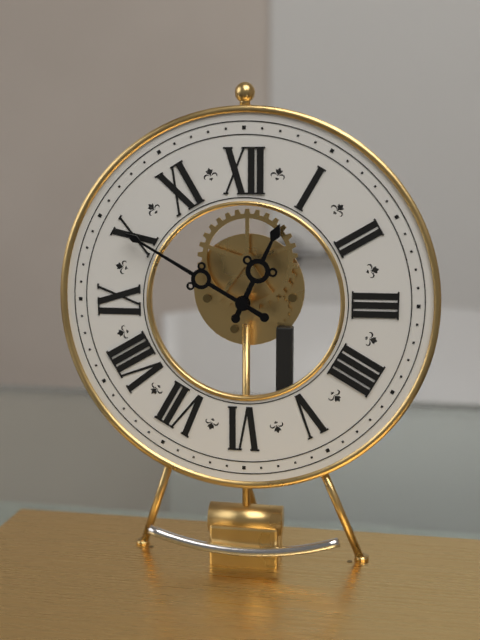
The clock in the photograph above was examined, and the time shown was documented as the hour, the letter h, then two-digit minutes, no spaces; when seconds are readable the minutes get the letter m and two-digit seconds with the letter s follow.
12h50
